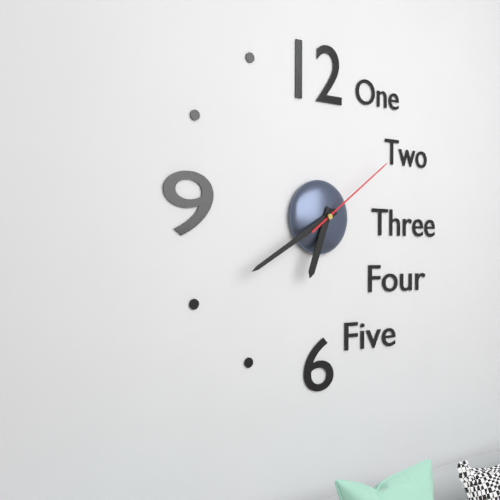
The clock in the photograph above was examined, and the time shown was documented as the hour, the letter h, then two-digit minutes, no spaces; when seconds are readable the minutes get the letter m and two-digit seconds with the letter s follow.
6h40m09s
